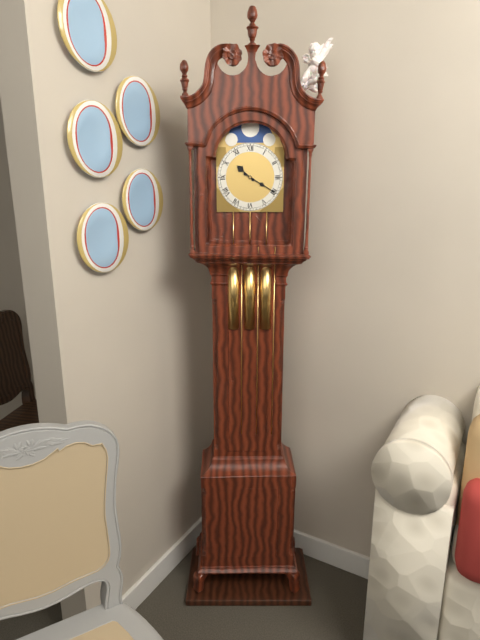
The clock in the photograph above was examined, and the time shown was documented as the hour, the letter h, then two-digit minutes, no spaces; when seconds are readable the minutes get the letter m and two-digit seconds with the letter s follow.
10h20
